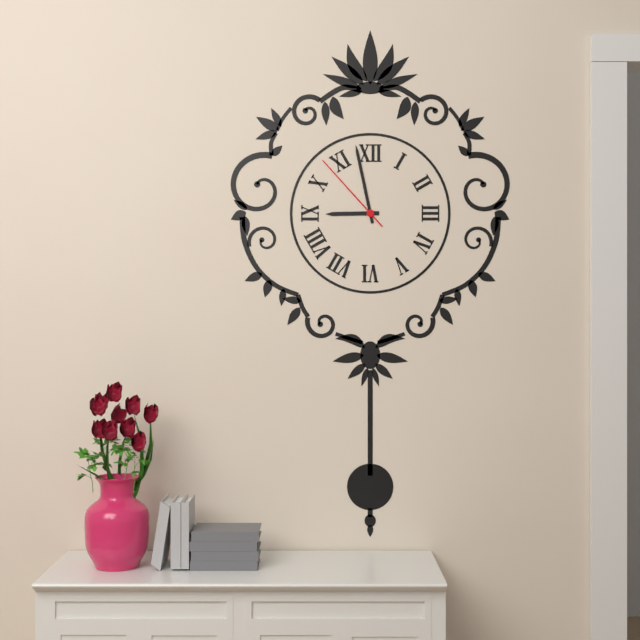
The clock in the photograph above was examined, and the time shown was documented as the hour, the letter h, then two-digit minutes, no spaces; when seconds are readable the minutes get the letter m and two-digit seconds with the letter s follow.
8h58m53s
